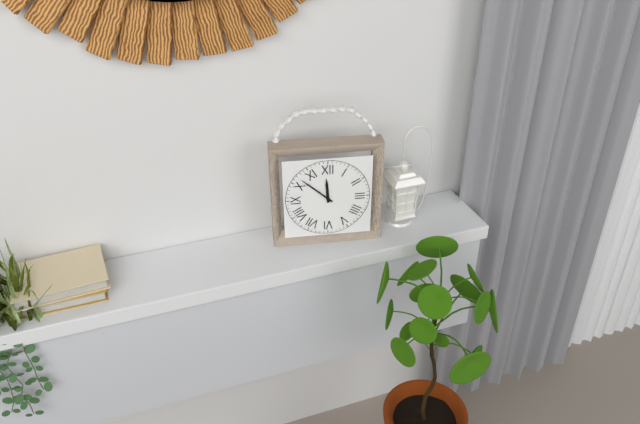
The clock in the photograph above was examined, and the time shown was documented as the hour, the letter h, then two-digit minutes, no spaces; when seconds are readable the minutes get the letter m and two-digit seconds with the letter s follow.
11h52
